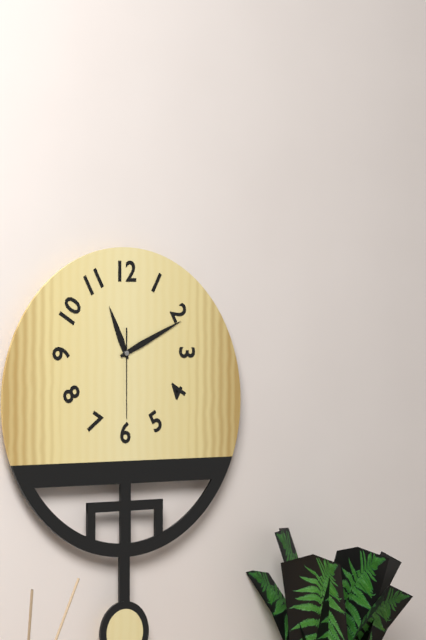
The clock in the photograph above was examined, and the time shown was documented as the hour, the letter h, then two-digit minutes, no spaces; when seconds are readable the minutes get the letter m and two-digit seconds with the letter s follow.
11h11m30s
